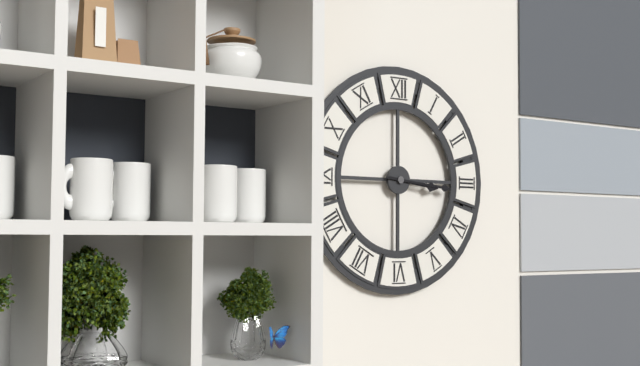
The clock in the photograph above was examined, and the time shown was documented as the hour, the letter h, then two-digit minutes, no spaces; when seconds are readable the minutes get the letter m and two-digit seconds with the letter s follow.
3h16
